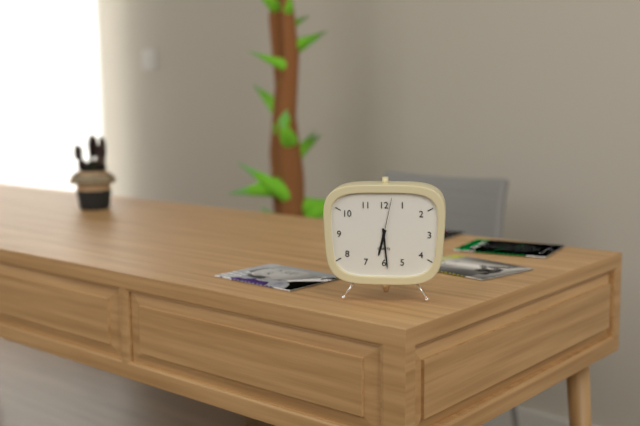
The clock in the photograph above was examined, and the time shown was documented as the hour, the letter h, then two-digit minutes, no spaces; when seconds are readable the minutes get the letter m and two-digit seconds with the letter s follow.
6h29
